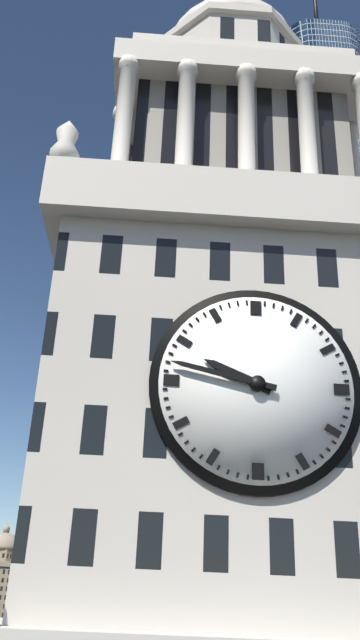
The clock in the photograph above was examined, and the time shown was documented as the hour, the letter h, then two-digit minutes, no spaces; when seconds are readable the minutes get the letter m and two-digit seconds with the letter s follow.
9h47
